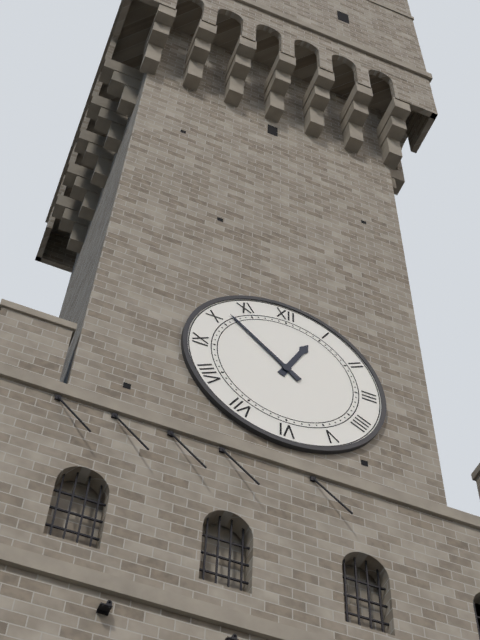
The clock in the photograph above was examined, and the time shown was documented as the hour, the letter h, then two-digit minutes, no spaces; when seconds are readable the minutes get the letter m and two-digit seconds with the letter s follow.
12h52
